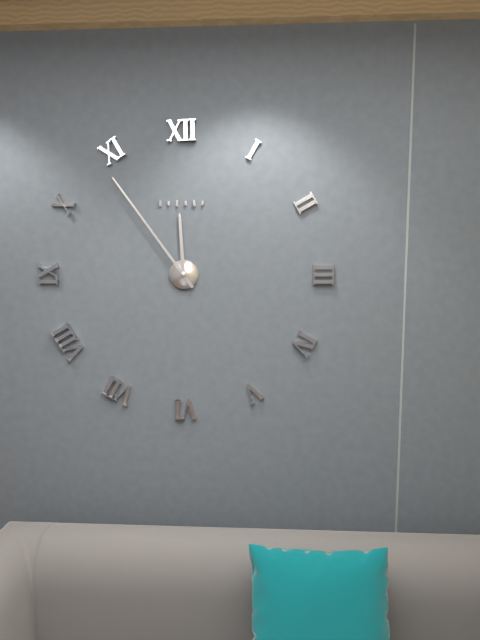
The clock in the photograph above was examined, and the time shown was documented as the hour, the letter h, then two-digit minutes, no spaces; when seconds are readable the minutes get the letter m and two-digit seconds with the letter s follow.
11h54
